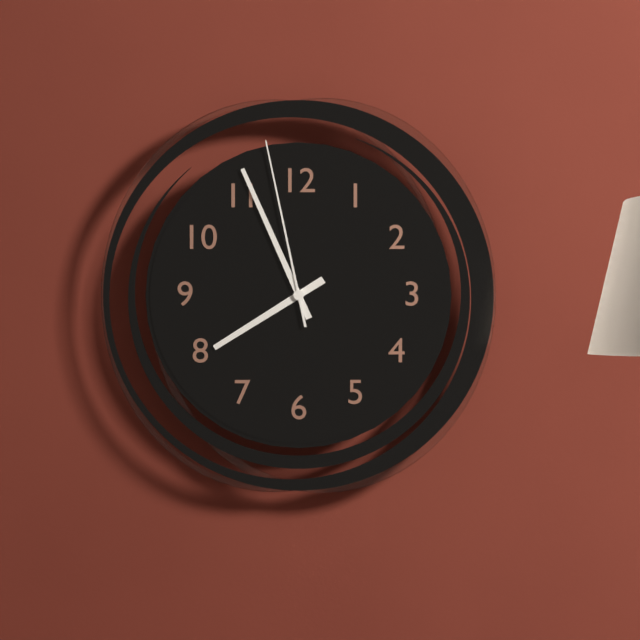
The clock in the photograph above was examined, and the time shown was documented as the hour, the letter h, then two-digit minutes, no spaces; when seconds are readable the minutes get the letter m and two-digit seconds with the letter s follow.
7h56m58s
